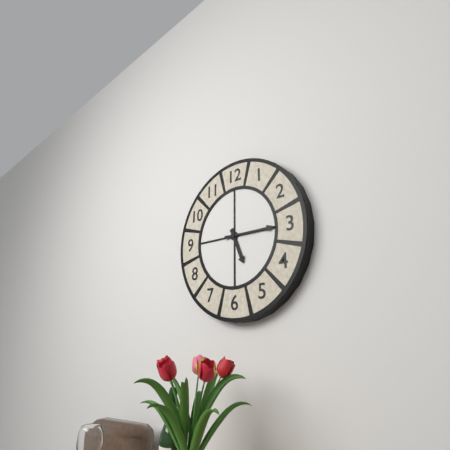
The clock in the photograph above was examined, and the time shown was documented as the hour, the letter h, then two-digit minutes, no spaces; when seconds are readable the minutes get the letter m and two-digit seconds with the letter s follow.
5h15
